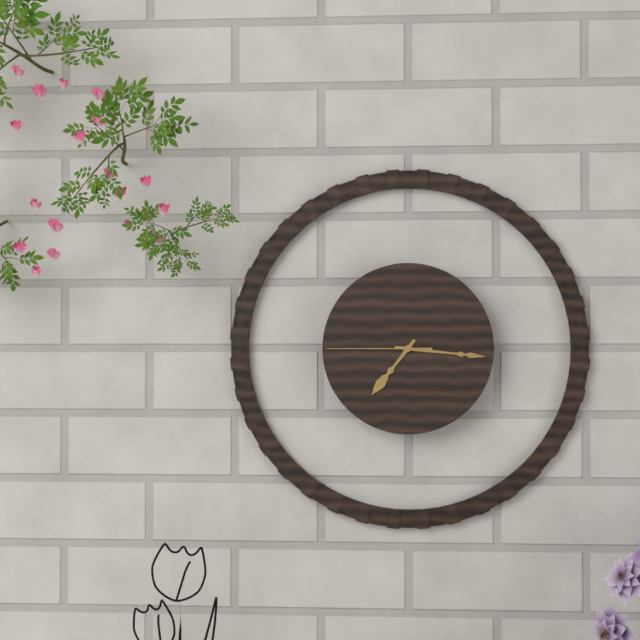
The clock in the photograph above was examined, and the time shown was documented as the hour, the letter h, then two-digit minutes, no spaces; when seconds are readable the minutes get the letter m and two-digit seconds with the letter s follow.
7h16m45s
